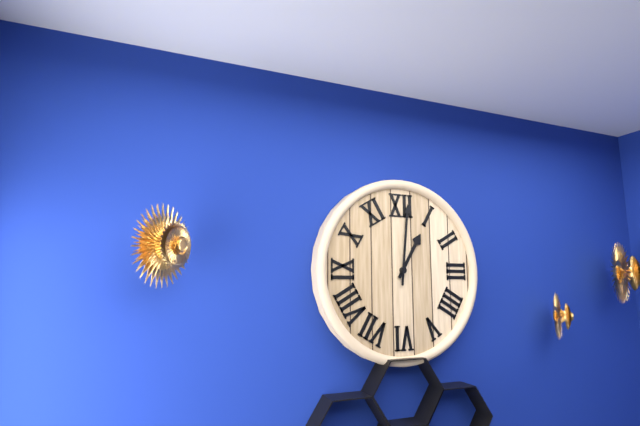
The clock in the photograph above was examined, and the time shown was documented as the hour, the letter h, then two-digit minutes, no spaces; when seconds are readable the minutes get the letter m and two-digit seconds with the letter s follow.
1h01
